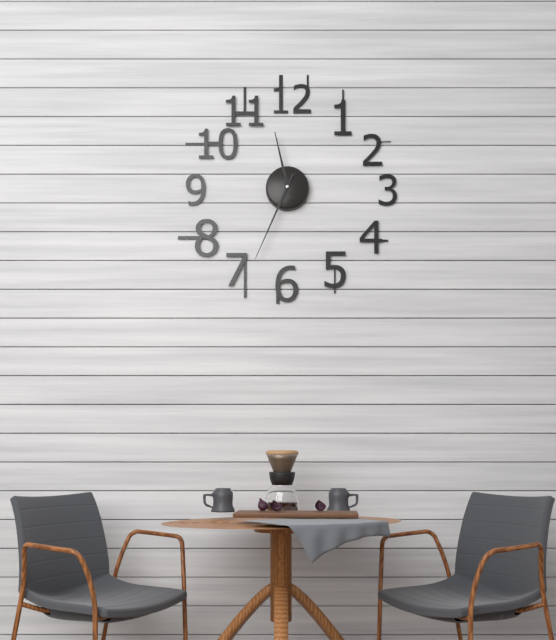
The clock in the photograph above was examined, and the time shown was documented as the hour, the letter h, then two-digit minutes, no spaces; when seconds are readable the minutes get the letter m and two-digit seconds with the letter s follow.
11h34
